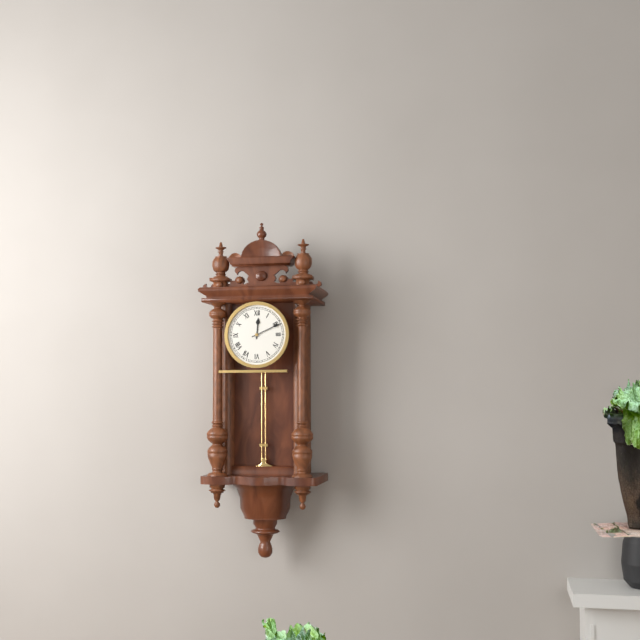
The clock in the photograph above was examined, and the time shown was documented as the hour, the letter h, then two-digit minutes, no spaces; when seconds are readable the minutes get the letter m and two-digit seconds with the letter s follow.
12h11
